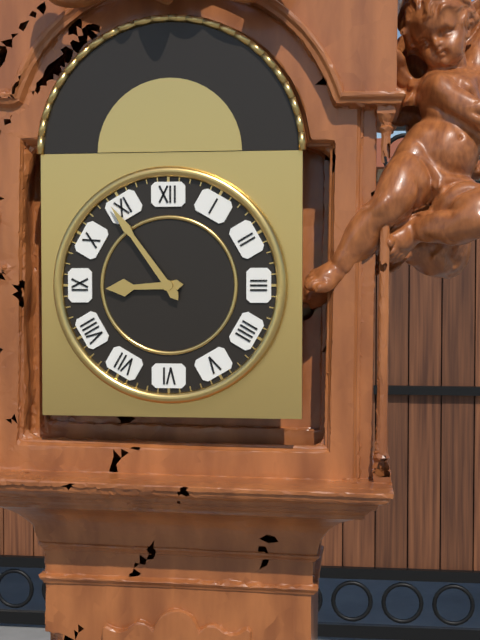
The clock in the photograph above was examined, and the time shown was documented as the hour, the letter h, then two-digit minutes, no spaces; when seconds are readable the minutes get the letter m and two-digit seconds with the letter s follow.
8h54
